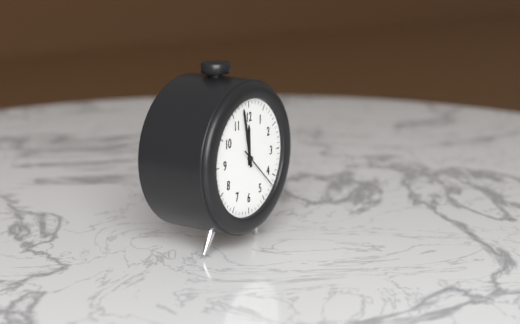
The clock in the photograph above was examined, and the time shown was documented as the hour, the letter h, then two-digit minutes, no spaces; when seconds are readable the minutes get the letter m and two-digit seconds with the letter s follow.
11h58
